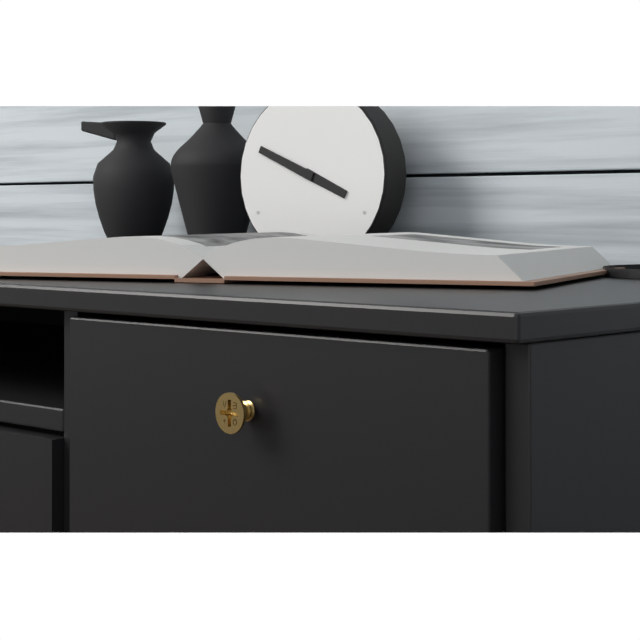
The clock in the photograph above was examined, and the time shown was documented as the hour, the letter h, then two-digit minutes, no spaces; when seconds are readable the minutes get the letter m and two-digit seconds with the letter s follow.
3h49
